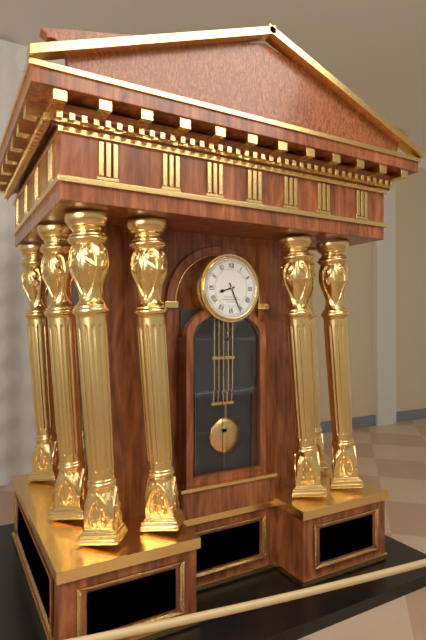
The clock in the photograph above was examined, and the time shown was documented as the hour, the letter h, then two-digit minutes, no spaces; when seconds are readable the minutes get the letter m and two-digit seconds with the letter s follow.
8h26
